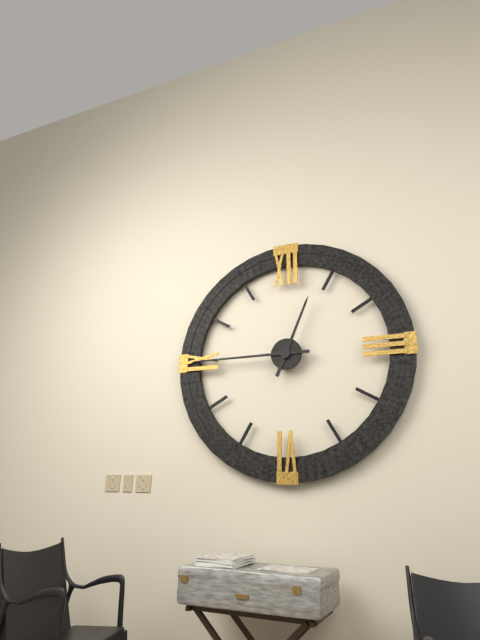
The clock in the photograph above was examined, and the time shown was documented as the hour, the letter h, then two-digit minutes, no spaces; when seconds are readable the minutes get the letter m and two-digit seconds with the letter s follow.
12h45
